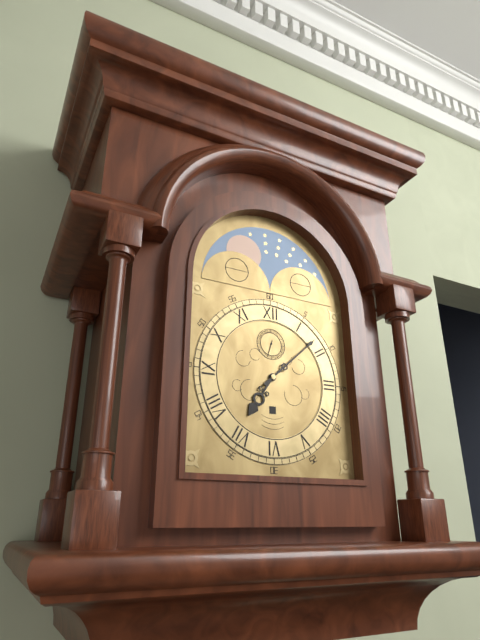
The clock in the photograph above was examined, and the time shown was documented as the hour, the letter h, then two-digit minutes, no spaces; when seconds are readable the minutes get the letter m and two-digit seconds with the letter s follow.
7h08
